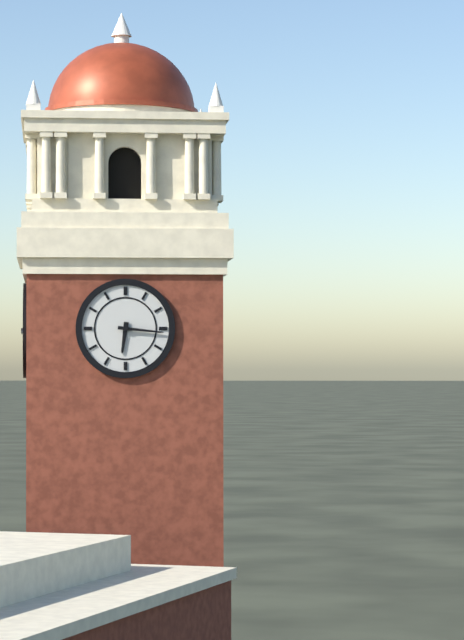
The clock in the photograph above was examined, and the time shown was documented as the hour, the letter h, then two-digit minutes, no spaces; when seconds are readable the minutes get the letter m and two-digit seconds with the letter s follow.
6h16
